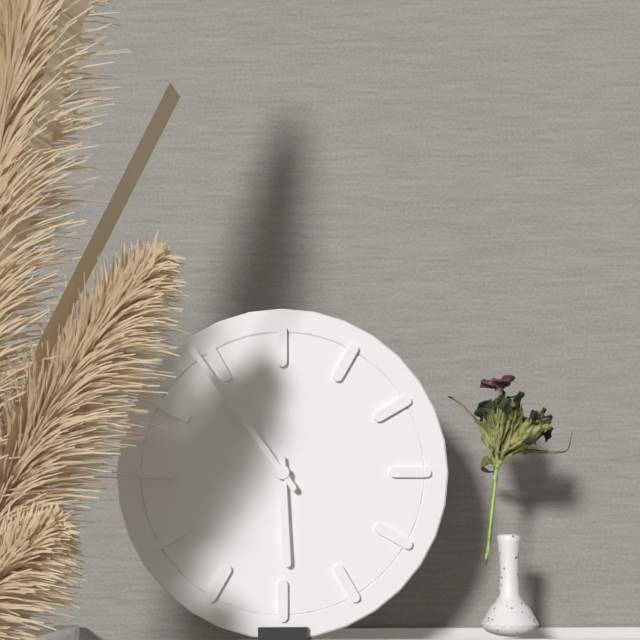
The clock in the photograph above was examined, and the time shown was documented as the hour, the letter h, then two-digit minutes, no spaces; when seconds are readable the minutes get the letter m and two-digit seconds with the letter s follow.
5h54
